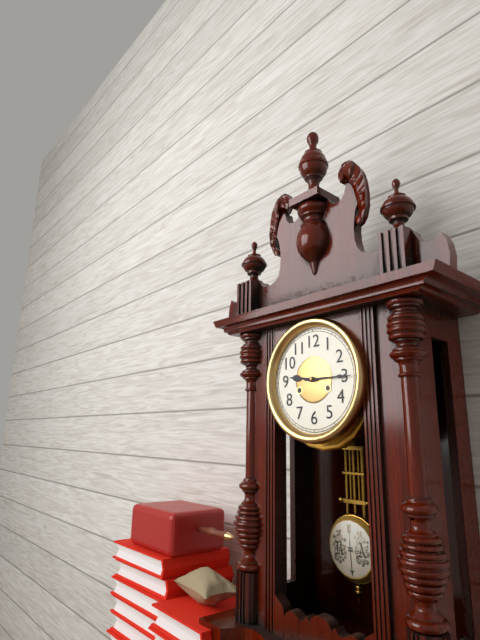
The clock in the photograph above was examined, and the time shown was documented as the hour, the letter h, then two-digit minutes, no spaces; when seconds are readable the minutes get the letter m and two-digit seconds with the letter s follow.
9h15
